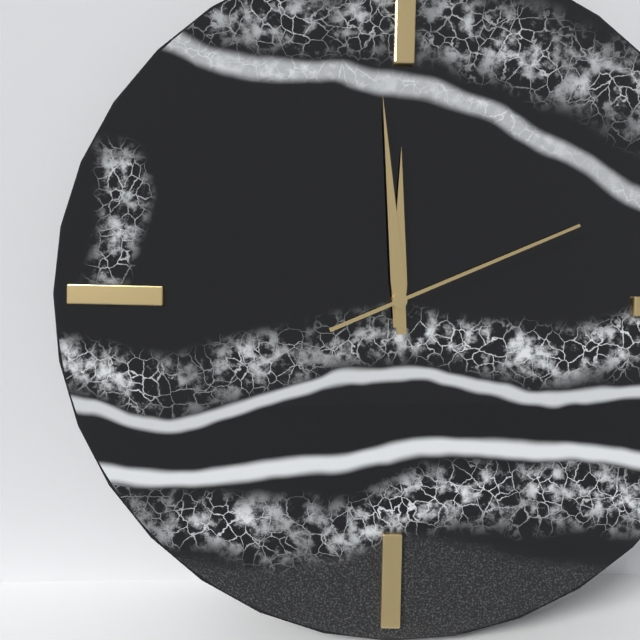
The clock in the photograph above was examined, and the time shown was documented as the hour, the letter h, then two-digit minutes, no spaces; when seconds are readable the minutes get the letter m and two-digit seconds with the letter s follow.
11h59m11s
